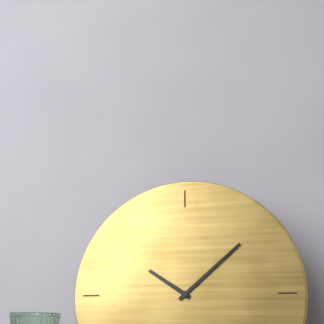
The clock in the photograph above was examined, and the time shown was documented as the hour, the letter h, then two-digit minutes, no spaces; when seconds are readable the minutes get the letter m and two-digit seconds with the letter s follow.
10h08
